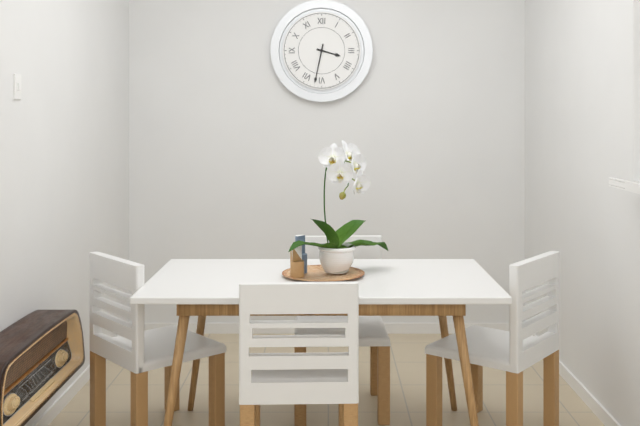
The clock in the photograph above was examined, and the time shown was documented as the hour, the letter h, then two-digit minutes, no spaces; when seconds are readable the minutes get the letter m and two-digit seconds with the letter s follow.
3h32
